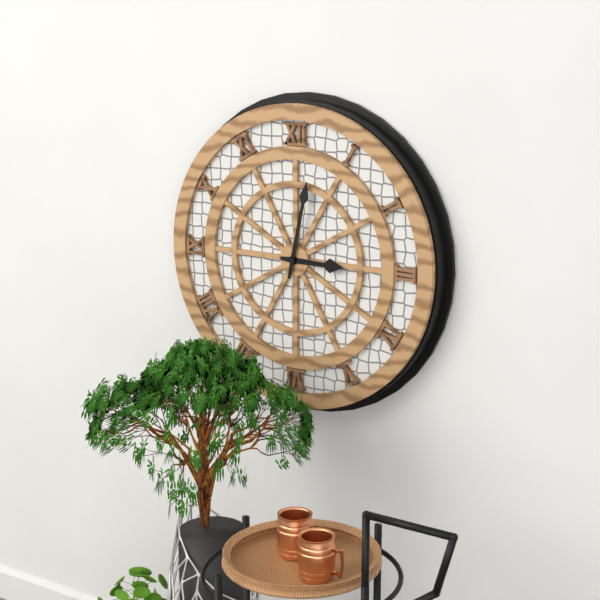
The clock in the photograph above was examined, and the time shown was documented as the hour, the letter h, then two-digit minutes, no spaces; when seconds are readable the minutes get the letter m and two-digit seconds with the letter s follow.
3h02
